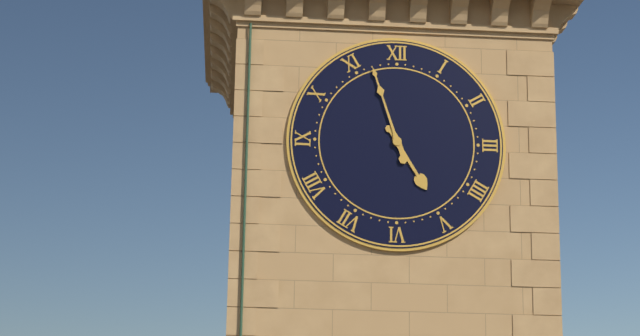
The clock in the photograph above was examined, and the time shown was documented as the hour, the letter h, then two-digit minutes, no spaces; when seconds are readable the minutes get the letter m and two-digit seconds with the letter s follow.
4h57
